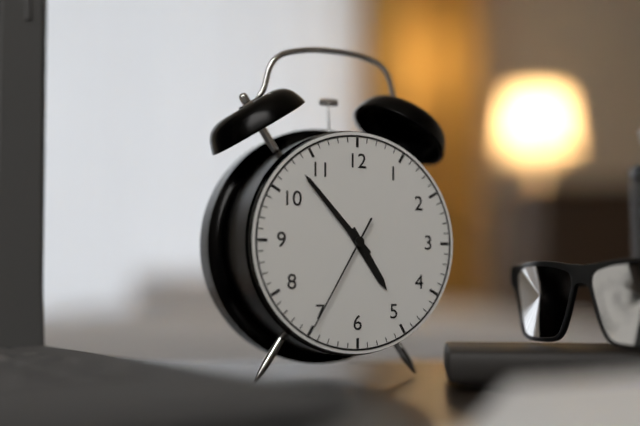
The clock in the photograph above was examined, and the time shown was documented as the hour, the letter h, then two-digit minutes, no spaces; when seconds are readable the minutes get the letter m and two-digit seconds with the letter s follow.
4h53m35s
